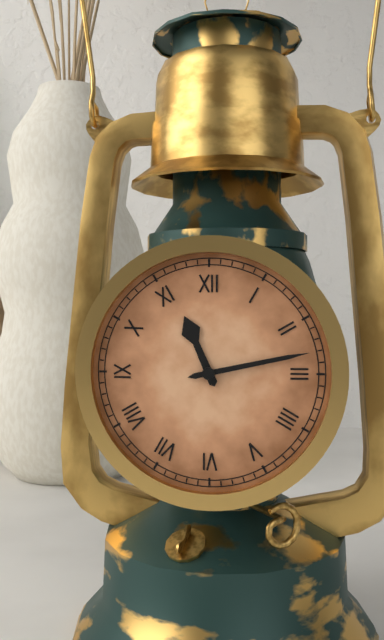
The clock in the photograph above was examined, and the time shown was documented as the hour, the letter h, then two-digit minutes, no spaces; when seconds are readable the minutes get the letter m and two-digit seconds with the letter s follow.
11h13
